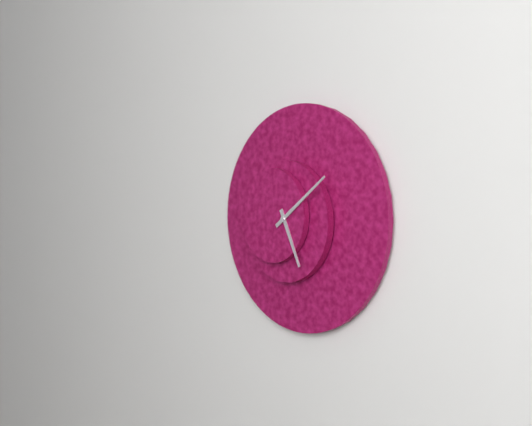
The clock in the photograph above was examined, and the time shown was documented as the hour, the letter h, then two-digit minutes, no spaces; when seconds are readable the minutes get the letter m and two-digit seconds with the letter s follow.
5h09
